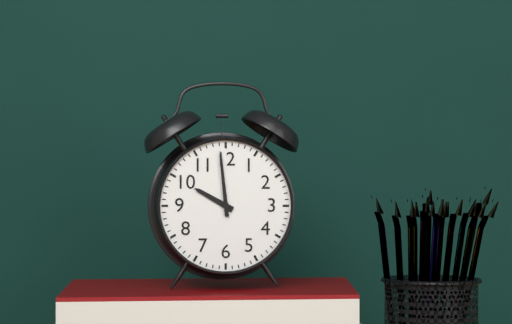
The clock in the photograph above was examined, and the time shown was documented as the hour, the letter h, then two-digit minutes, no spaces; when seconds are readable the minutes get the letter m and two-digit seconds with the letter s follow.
9h59
